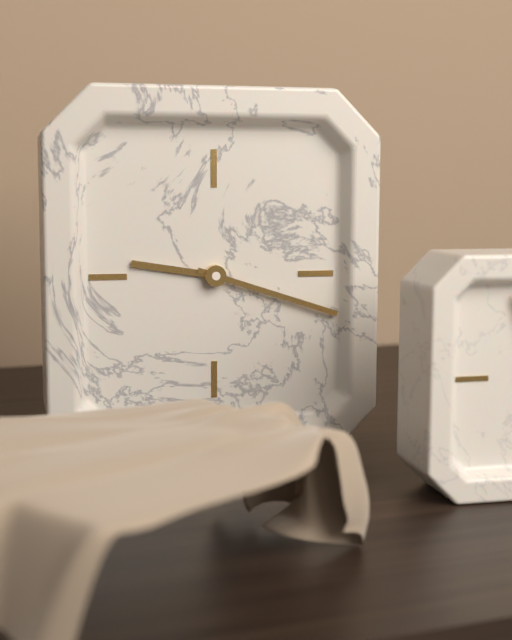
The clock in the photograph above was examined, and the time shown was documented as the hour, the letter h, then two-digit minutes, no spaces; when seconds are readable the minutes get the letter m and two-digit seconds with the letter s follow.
9h18
